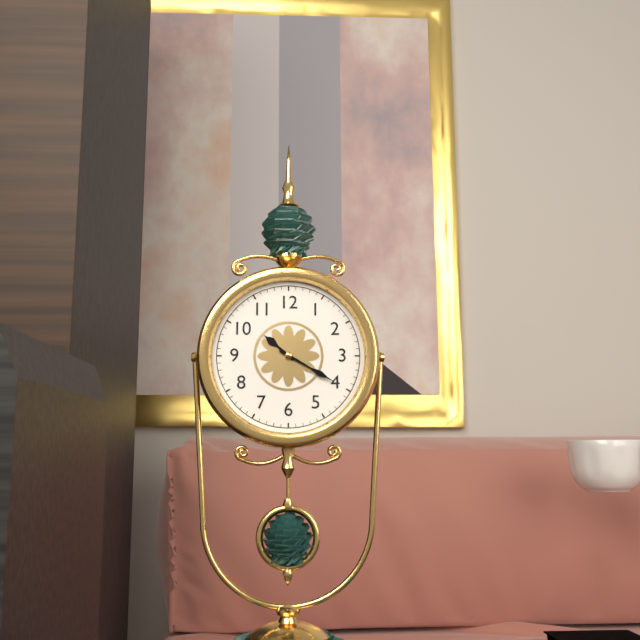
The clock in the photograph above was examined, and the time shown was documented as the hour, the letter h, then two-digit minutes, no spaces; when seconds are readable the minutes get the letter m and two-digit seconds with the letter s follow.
10h20
